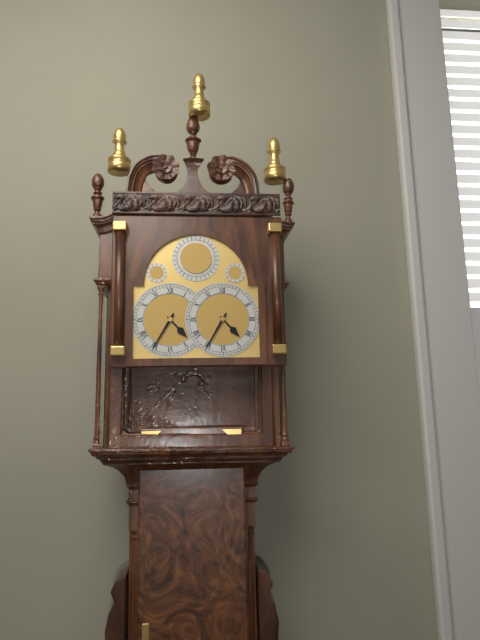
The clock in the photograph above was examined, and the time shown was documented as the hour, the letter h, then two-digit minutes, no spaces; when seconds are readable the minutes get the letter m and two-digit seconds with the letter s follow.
4h35
